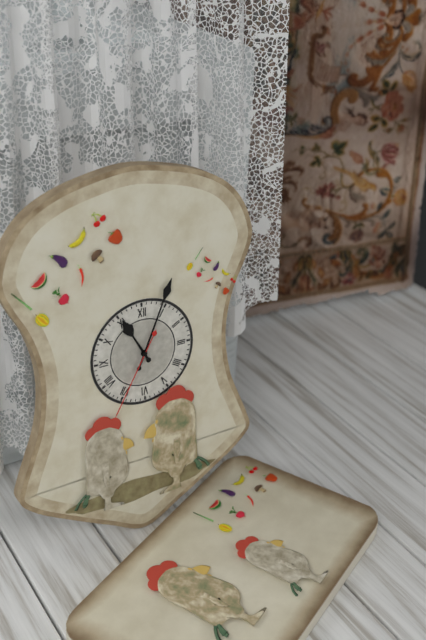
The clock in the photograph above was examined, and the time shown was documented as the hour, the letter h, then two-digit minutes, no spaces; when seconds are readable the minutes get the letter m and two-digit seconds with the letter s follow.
11h04m35s
